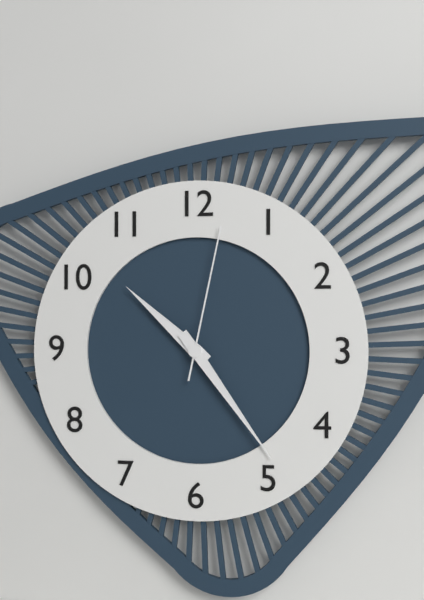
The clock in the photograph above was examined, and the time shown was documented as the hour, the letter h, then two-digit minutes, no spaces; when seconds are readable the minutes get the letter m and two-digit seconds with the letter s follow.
10h24m02s
